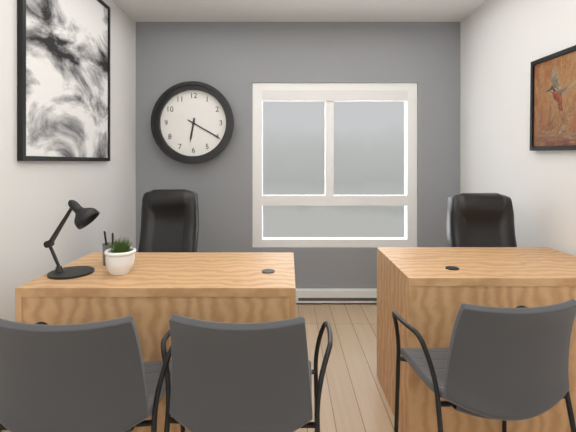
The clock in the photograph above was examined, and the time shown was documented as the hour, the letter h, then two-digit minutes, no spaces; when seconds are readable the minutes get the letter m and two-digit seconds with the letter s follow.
6h20
